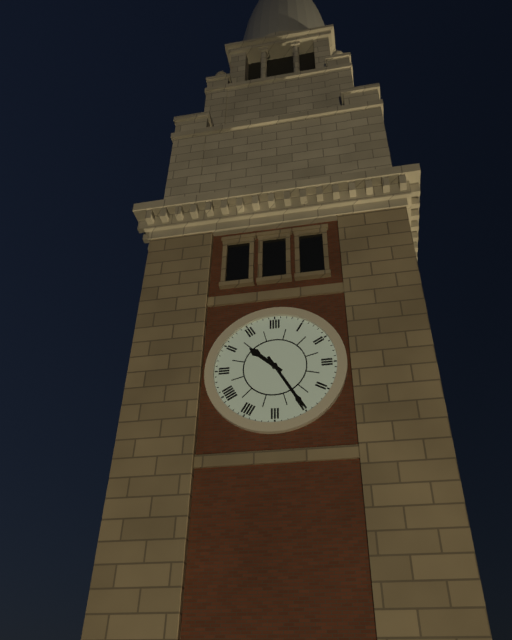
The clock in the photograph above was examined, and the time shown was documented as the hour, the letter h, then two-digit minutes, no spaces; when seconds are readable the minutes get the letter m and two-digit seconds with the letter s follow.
10h25
